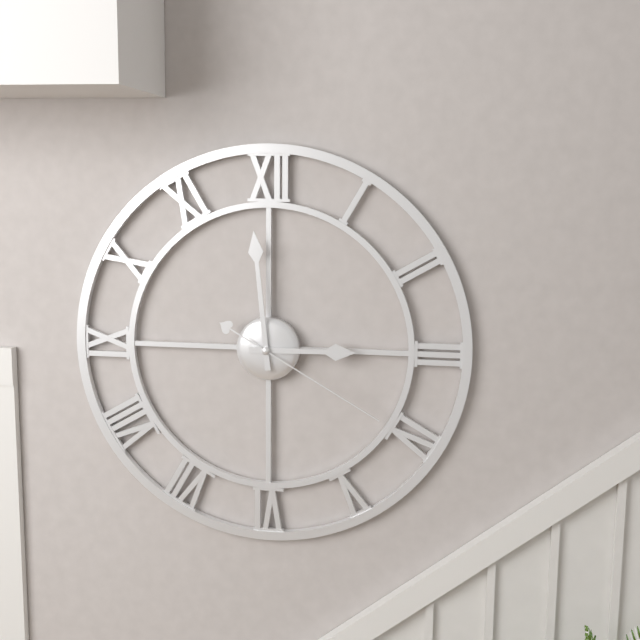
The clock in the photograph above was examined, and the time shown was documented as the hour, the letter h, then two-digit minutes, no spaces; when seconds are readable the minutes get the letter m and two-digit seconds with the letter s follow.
2h59m20s
